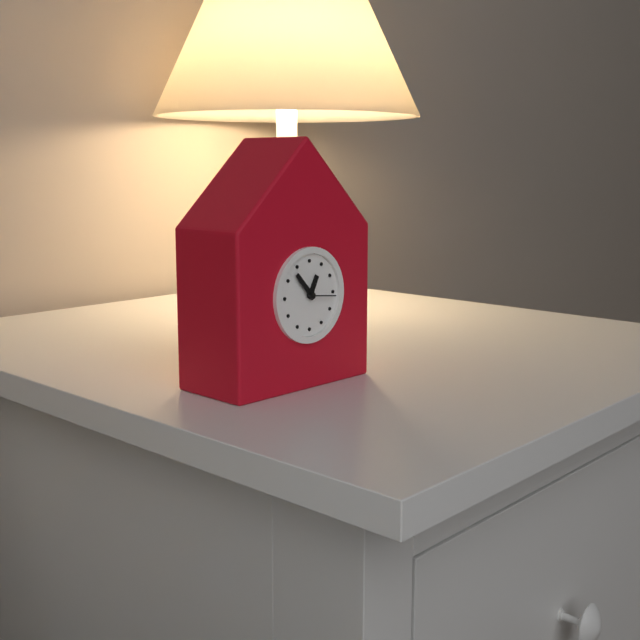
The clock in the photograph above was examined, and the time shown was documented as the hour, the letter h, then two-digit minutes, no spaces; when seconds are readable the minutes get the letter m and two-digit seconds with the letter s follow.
12h53
